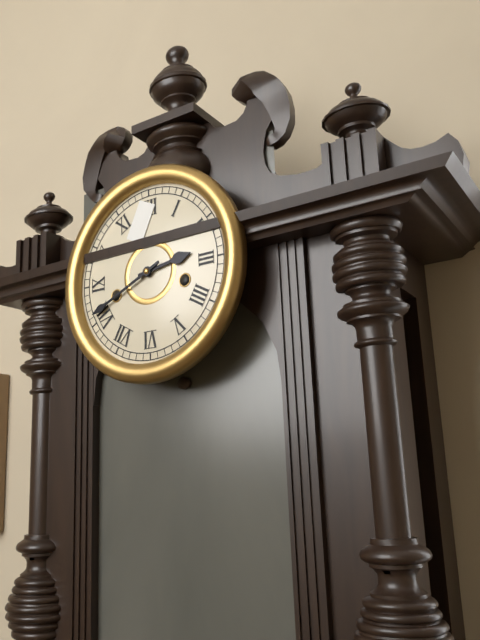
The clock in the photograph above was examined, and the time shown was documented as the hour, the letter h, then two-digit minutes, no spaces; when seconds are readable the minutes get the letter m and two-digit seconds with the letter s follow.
2h41
